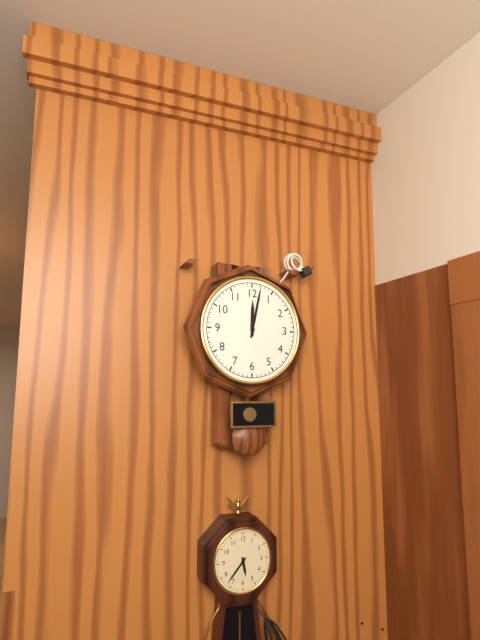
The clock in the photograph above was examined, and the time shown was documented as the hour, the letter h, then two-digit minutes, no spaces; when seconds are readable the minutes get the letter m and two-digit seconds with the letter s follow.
12h02
